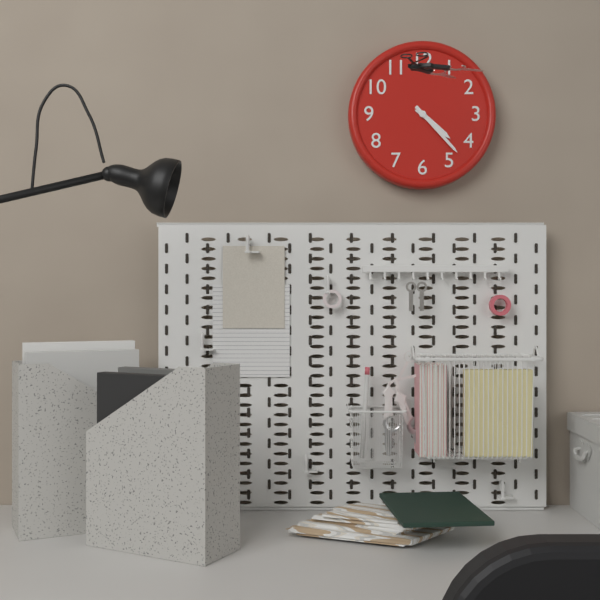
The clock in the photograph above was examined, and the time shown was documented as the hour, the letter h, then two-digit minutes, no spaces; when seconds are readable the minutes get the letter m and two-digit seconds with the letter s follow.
4h23
